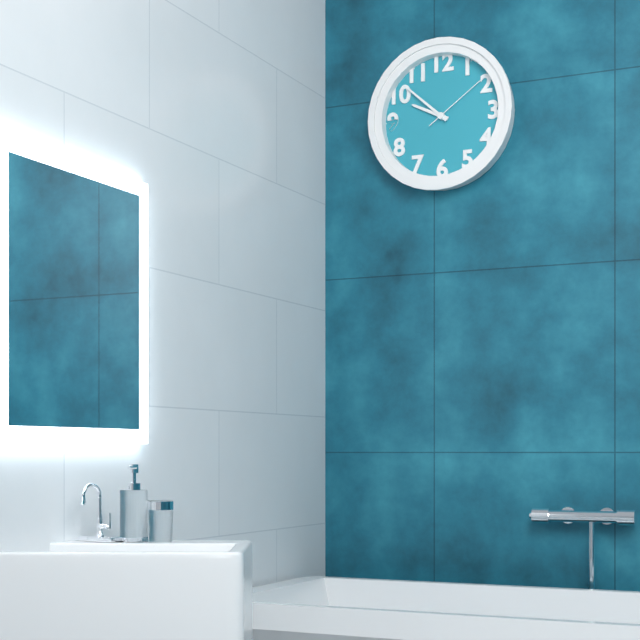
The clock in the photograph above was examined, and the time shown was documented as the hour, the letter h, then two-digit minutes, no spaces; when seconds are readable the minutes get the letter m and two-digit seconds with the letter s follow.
9h52m09s
